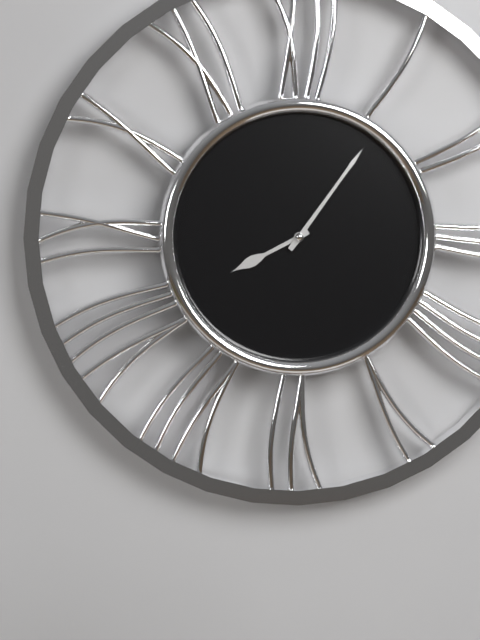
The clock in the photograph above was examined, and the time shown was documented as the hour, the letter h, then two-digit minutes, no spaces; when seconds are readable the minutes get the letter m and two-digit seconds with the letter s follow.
8h06
